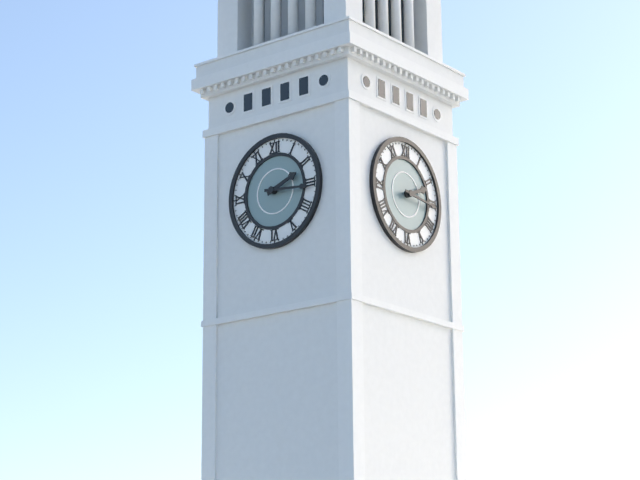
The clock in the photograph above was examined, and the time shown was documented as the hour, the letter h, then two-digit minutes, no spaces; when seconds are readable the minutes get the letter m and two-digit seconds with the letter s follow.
2h16
